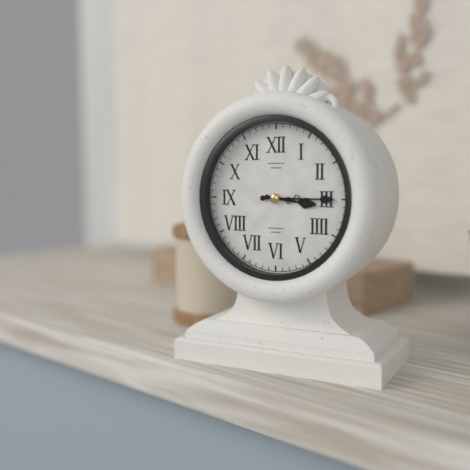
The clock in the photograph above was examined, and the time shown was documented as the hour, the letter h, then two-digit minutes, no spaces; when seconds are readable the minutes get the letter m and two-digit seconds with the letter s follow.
3h15
